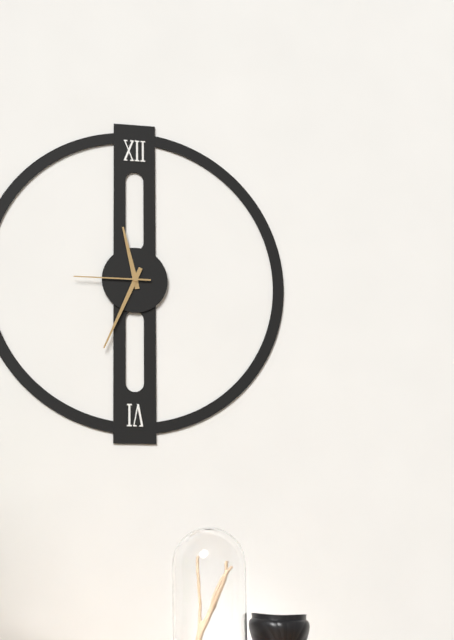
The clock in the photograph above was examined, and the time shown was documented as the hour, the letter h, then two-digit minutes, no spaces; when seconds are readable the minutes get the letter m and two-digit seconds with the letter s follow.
11h34m45s
